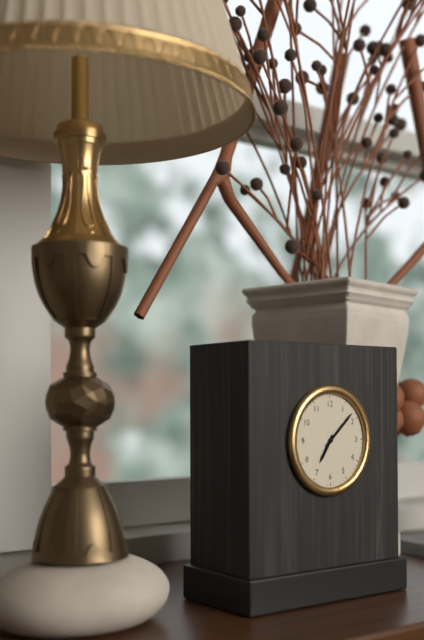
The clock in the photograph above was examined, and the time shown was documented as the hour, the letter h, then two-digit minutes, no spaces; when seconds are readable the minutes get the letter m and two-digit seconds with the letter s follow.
7h08
